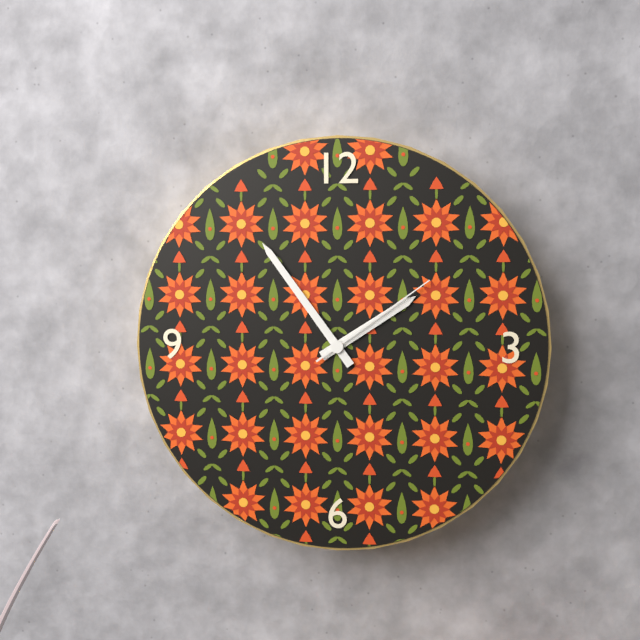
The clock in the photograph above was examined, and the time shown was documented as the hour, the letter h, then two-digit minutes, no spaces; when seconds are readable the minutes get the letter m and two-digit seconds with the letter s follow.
1h54m09s
